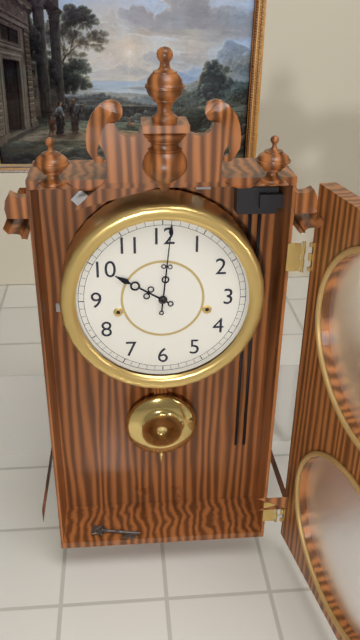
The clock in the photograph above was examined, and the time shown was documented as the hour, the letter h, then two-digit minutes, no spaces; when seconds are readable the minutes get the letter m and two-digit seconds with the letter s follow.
10h01
